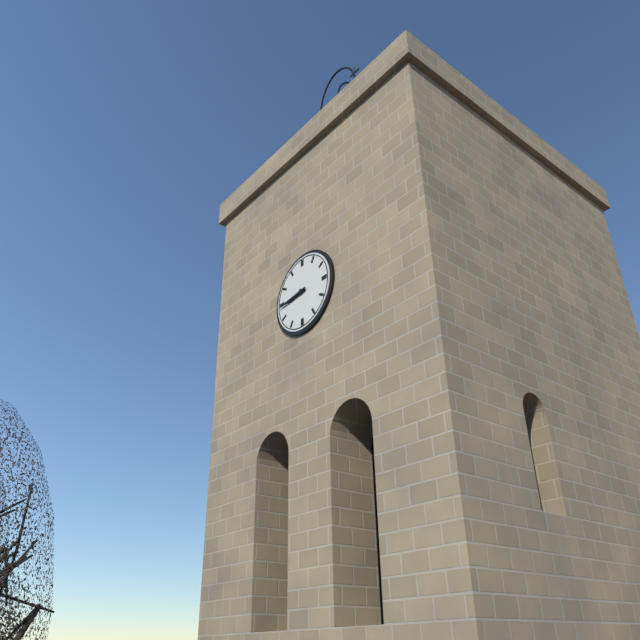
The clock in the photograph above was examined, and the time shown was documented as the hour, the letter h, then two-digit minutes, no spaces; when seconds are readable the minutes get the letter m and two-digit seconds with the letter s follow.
8h44
